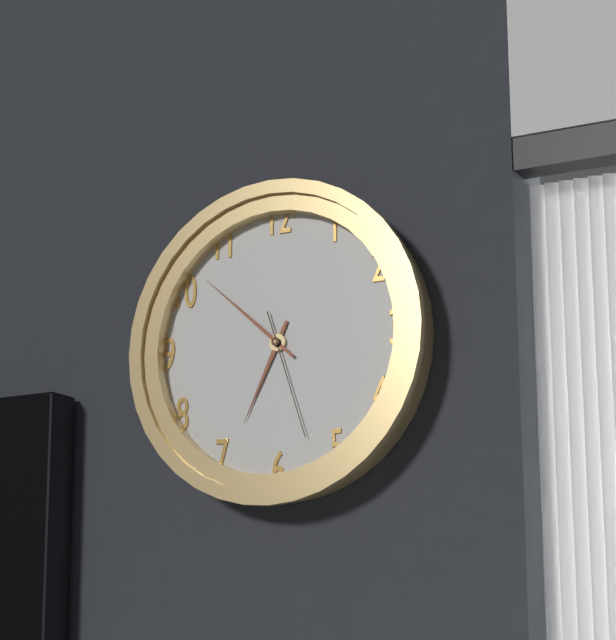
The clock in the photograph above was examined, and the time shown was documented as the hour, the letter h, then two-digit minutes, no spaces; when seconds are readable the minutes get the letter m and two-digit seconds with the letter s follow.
6h52m27s
